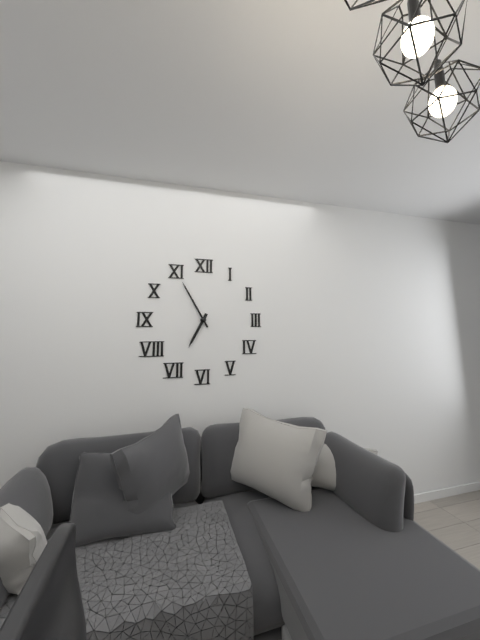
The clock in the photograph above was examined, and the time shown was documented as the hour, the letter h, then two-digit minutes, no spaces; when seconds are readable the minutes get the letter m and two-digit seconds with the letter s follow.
6h55
